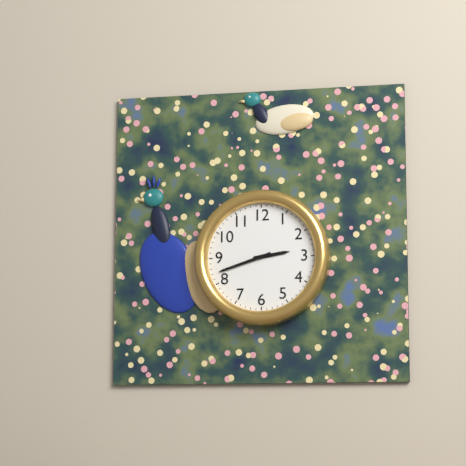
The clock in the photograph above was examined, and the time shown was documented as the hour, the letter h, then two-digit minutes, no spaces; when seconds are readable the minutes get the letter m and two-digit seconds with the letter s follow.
2h42
